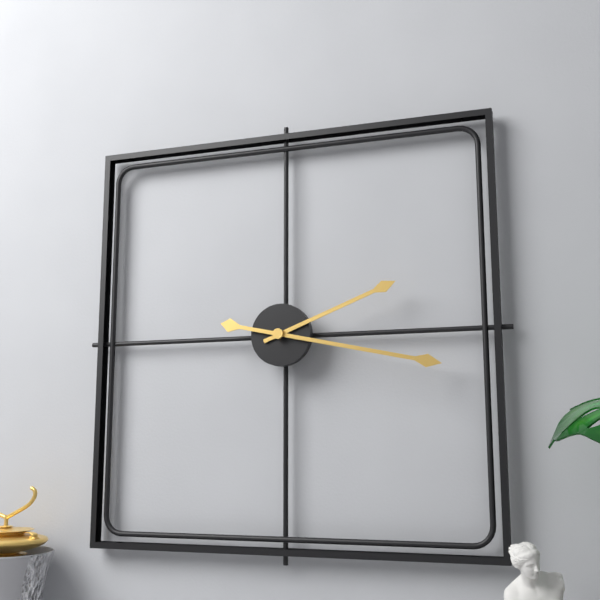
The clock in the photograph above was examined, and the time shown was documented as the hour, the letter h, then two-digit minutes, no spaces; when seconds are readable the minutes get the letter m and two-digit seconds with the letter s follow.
2h17
